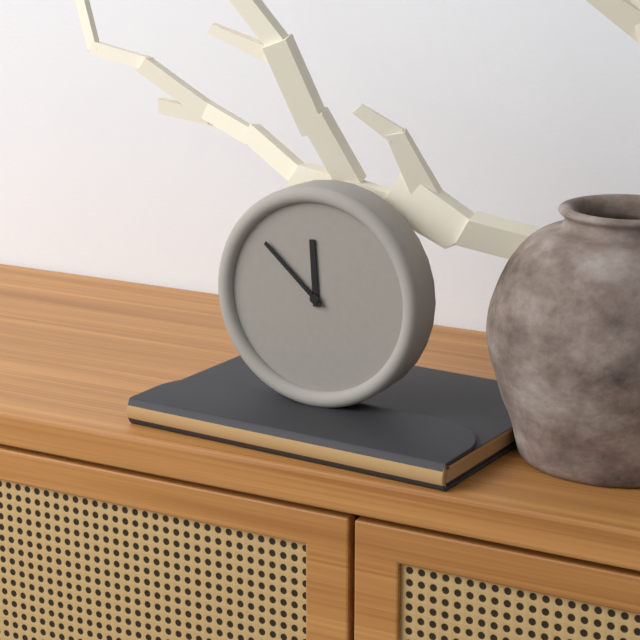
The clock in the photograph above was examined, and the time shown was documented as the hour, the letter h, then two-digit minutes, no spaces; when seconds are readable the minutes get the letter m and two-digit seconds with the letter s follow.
11h52
